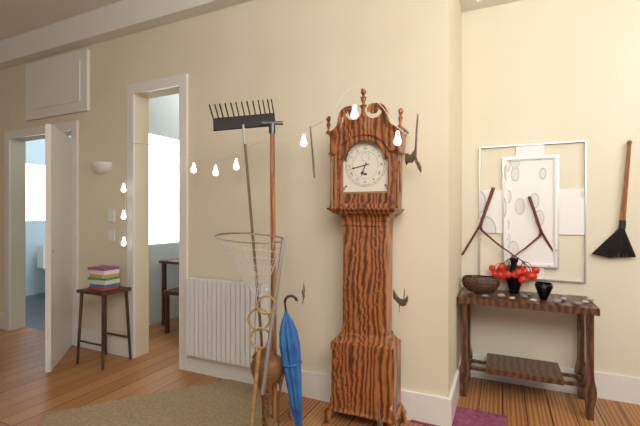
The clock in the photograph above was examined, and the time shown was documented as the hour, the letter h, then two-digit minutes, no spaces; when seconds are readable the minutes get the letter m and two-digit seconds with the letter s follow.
6h43
